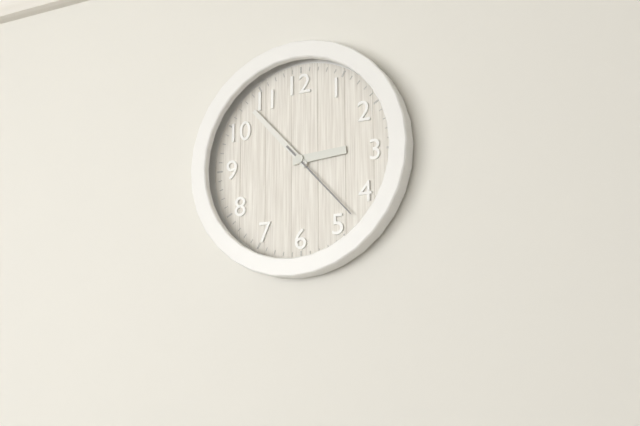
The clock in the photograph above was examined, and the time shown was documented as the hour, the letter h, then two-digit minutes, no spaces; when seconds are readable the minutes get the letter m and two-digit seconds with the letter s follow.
2h53m23s
